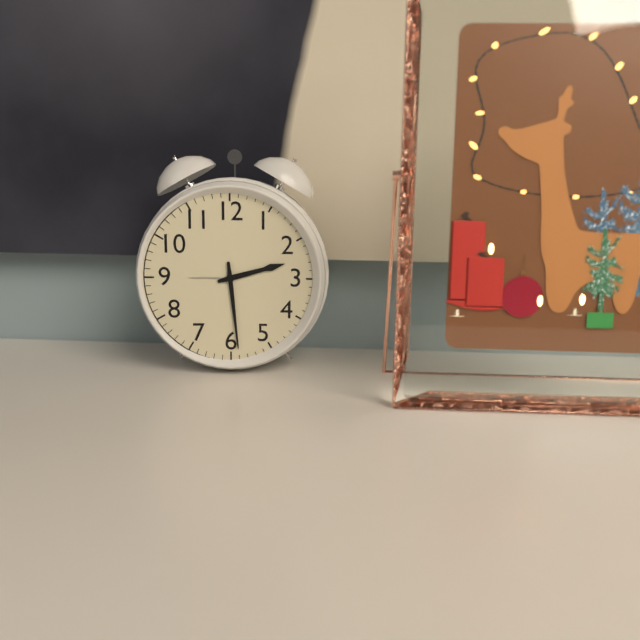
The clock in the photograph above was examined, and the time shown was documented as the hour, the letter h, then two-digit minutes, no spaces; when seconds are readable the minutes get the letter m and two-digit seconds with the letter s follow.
2h29
